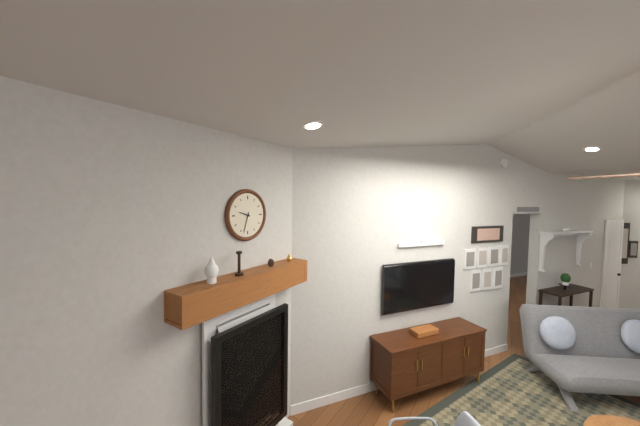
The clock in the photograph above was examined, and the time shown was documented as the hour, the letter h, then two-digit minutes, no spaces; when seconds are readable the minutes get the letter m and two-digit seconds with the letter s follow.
9h33
